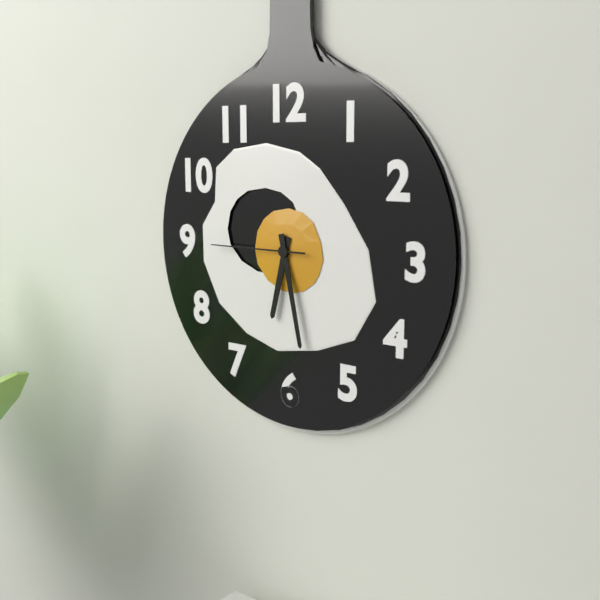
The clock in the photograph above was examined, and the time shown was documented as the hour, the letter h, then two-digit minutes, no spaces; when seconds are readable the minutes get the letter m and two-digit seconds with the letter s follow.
6h28m45s
